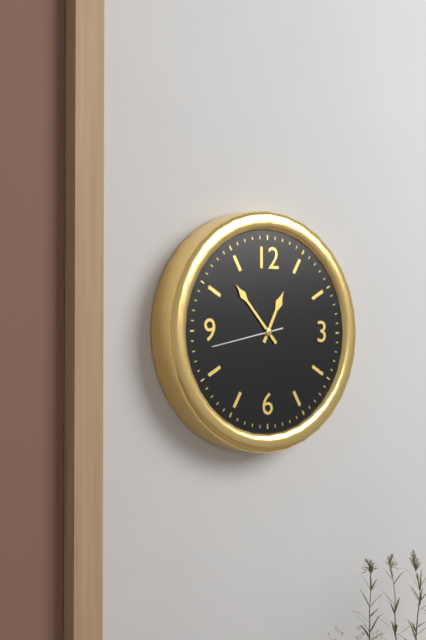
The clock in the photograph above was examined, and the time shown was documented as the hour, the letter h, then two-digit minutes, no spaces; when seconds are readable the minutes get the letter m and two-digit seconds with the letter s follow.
12h53m43s
